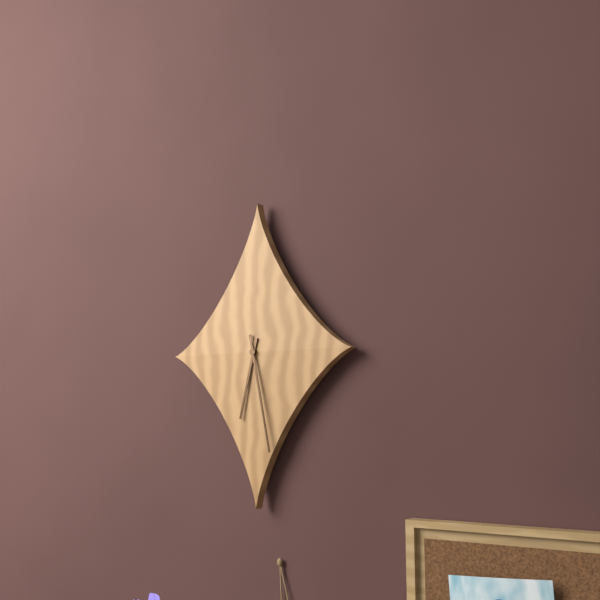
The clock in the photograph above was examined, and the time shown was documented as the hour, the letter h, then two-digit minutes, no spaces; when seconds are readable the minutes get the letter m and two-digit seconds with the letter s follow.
6h28
